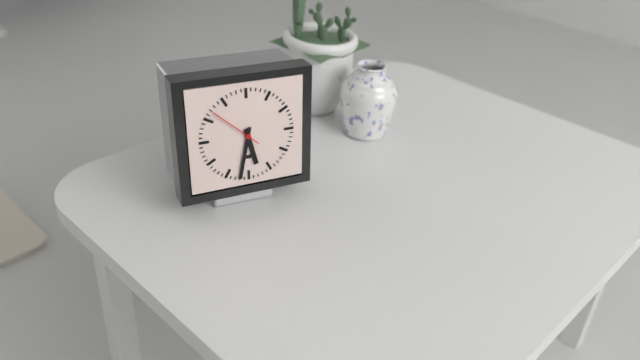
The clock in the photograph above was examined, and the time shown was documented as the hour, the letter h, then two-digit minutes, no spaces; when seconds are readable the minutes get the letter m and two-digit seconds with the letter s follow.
5h32m52s
